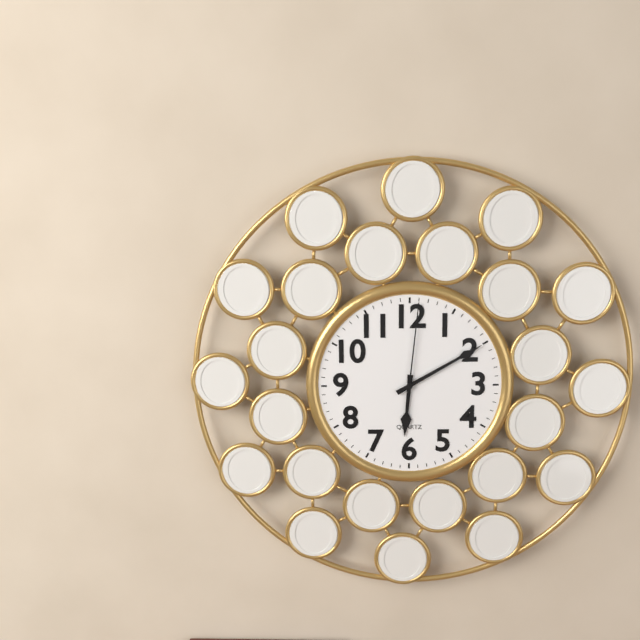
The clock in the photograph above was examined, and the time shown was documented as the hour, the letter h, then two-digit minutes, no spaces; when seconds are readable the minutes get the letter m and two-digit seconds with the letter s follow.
6h10m01s
